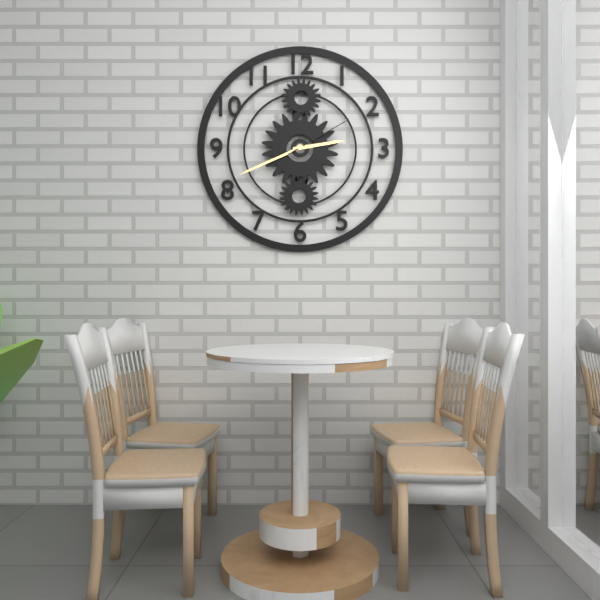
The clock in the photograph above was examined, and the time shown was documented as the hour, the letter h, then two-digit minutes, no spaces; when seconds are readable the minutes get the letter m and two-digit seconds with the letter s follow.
2h41m10s
